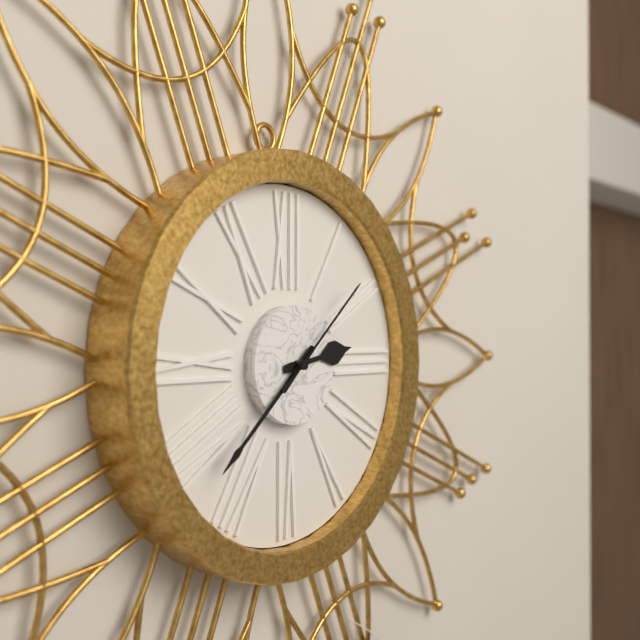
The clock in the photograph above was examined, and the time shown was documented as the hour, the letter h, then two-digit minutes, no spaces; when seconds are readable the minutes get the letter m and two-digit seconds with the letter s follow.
2h38m08s
